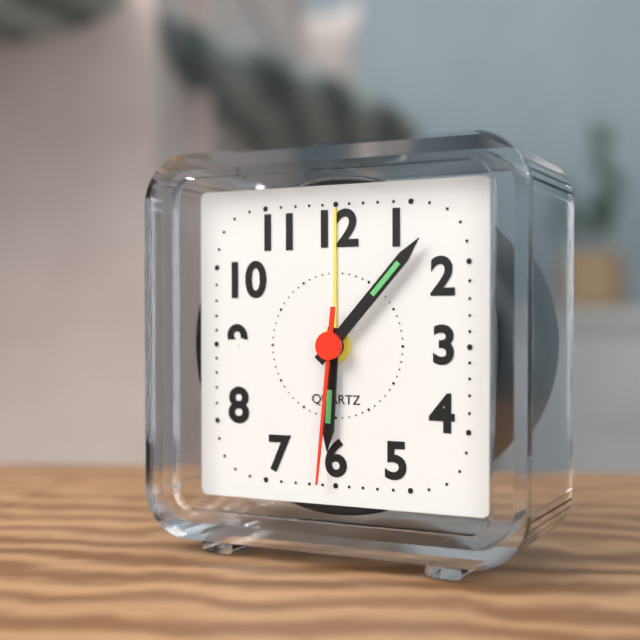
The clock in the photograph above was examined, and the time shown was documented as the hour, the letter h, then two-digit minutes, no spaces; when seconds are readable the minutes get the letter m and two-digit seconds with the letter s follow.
6h07m31s
